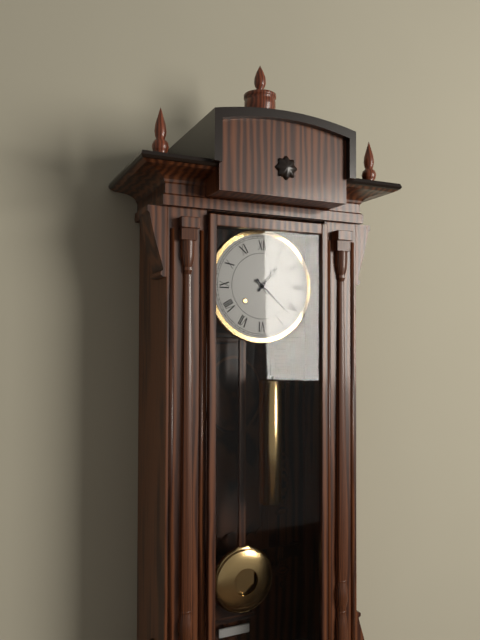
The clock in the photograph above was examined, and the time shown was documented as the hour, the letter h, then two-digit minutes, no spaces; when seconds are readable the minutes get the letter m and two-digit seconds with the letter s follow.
1h22
